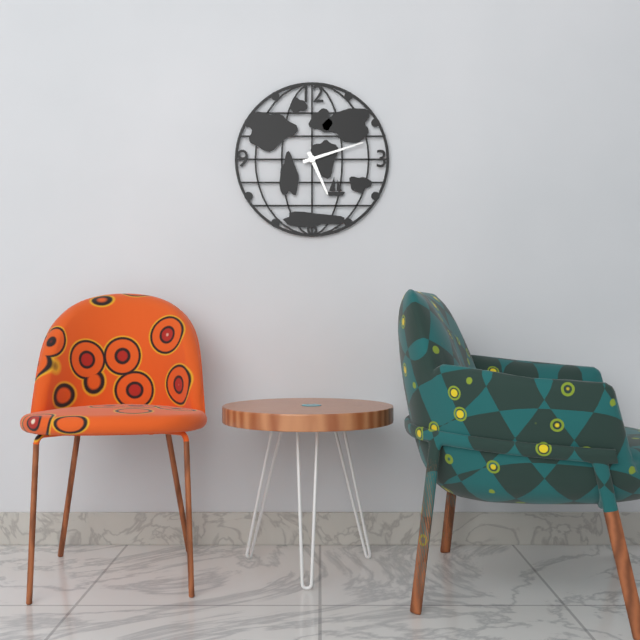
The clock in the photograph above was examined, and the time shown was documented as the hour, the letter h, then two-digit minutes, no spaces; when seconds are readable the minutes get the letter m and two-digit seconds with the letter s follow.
5h12
